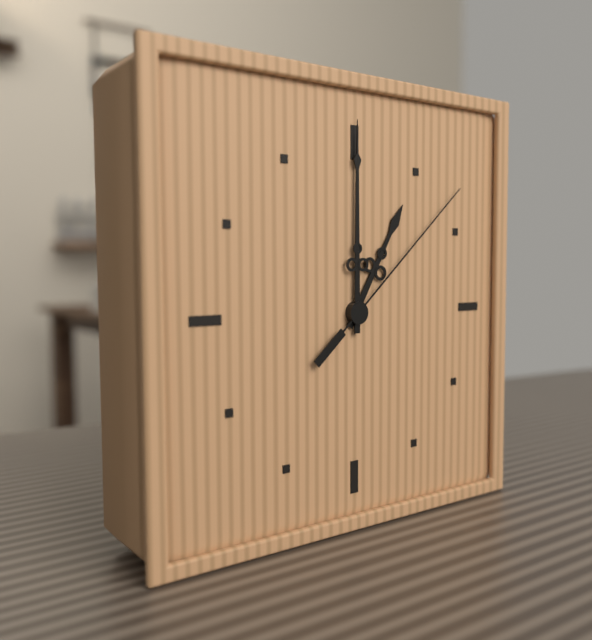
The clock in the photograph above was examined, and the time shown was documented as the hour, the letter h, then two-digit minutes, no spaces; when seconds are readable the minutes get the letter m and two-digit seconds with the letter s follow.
1h00m08s
